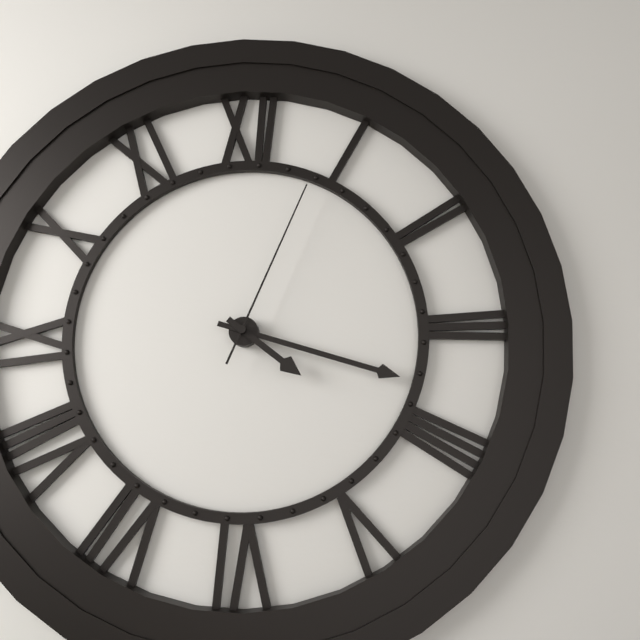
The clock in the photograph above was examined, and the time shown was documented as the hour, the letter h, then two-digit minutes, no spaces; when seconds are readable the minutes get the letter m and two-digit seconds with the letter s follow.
4h18m04s
